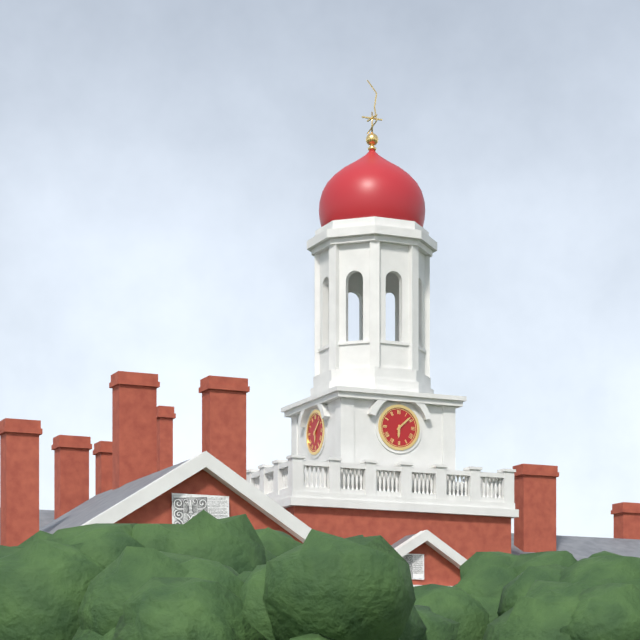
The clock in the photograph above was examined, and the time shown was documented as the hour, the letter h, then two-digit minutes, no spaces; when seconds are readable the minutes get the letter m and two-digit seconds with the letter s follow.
6h08
